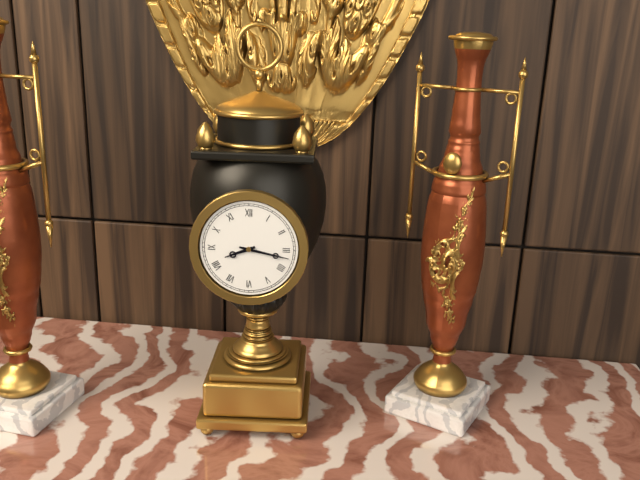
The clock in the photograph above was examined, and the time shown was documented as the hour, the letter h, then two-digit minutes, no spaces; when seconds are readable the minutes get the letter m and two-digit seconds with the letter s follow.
8h17
